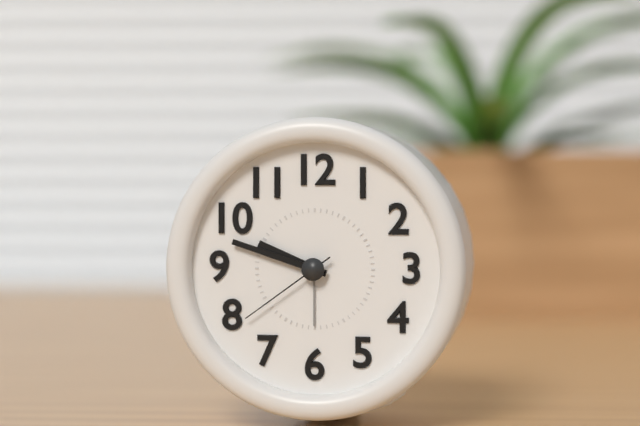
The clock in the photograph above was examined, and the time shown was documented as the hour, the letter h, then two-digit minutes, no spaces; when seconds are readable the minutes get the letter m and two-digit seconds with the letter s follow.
9h48m39s
